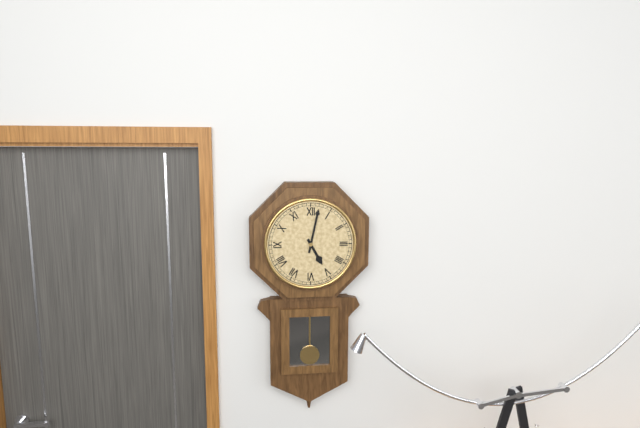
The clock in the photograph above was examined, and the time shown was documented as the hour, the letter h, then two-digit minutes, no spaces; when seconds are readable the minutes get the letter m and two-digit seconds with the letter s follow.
5h02
